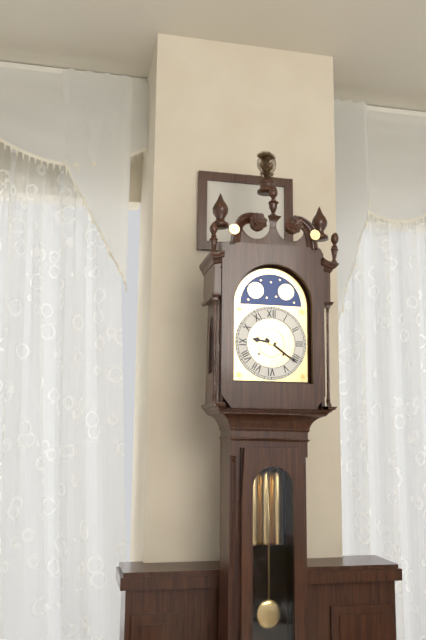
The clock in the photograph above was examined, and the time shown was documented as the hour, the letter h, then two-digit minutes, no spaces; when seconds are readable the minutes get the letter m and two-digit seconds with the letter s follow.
9h21
